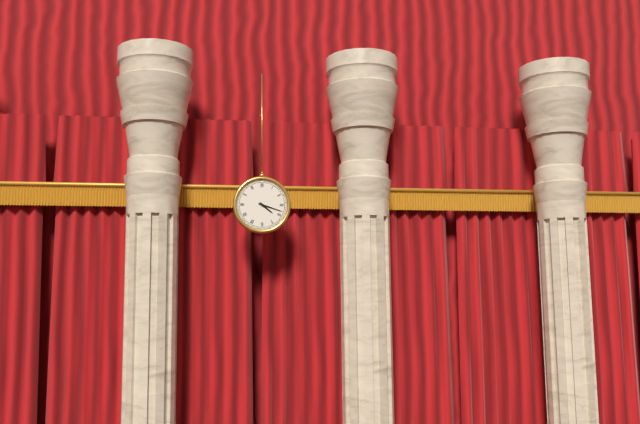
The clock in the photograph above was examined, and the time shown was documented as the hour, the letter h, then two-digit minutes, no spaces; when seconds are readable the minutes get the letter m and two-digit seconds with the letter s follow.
4h18
